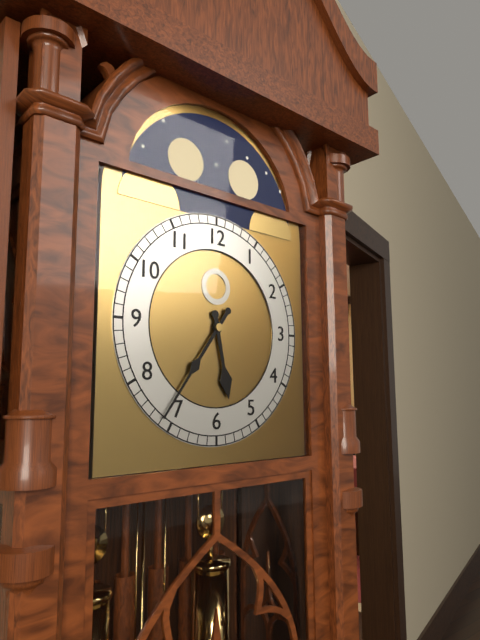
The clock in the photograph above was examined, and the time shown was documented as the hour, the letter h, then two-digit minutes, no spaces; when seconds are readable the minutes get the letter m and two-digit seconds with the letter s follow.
5h36
